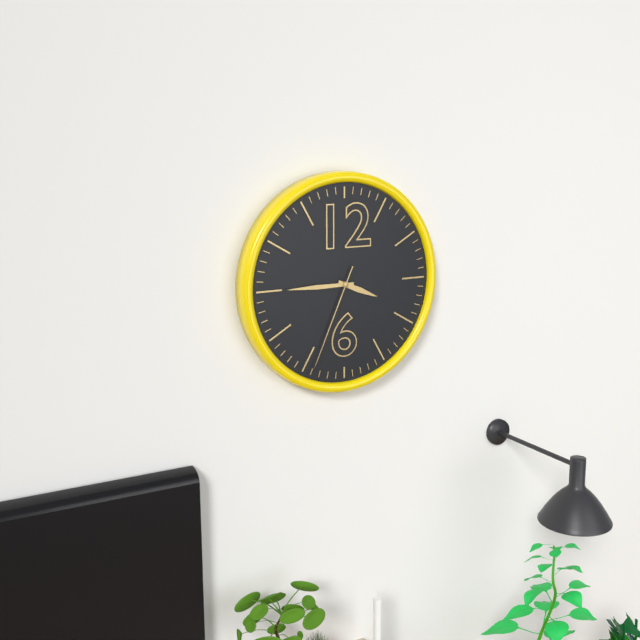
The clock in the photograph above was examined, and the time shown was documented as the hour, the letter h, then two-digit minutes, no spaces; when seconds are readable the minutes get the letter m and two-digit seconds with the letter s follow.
3h45m34s
